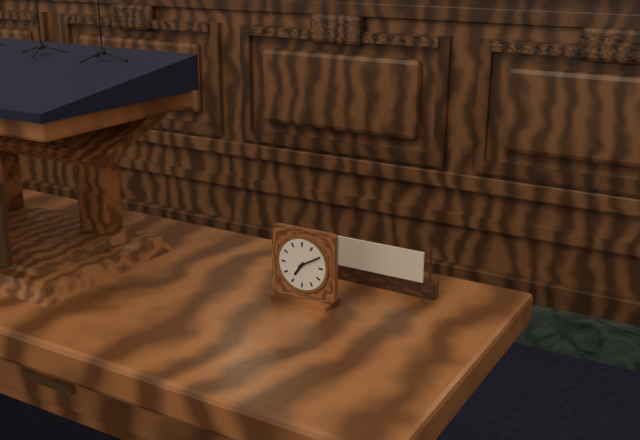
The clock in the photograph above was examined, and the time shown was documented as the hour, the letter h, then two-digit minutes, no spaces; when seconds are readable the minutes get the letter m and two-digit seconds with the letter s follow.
7h10
